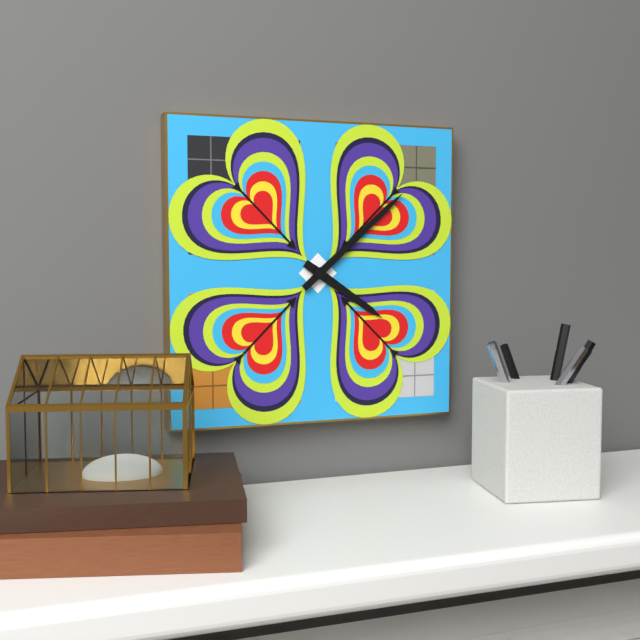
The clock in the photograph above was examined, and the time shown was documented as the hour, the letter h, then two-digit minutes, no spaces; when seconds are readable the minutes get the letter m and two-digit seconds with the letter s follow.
4h08
